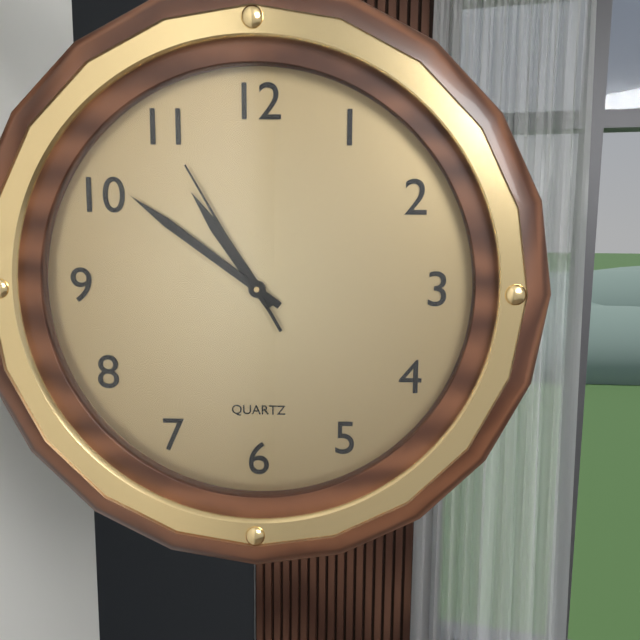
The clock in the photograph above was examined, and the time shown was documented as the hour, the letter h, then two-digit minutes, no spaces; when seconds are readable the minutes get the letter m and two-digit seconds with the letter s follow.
10h51m55s
